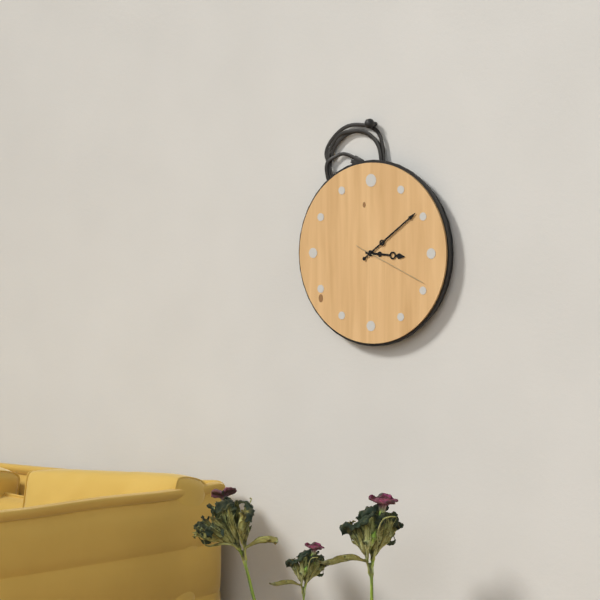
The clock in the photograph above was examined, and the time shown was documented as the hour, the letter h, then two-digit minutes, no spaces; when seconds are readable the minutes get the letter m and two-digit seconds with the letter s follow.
3h09m19s
